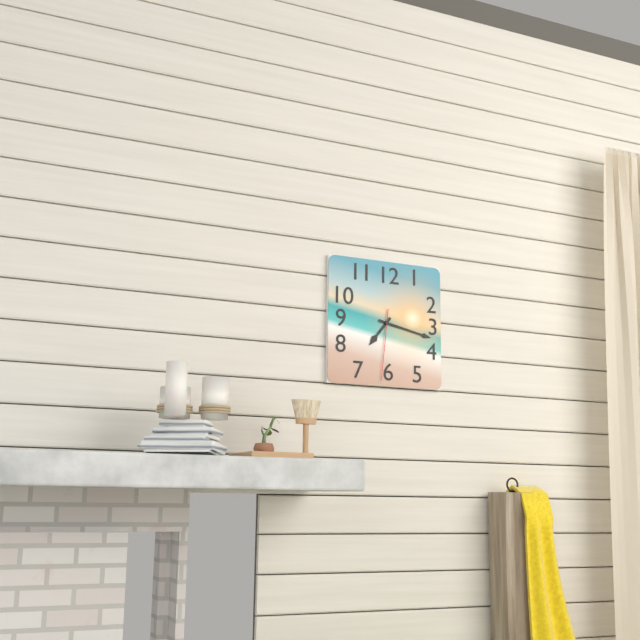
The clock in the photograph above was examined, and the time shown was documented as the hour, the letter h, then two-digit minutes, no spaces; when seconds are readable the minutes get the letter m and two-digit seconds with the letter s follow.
7h17m31s
